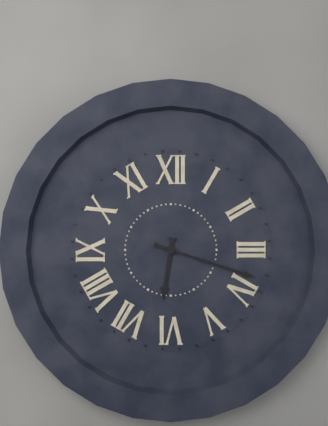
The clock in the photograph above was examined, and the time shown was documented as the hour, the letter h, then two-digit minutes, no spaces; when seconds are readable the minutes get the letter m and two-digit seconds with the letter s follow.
6h18
